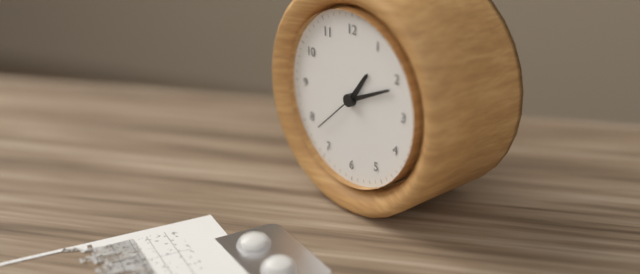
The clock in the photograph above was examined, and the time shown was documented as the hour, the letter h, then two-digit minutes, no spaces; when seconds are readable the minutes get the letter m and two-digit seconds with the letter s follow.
1h11m38s
